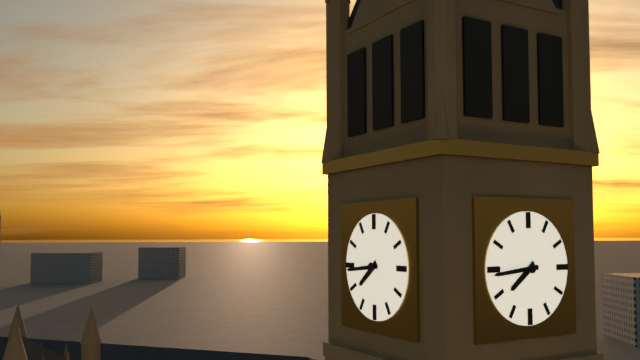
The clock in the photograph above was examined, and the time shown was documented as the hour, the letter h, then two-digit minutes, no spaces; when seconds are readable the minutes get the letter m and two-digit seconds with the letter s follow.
7h44
